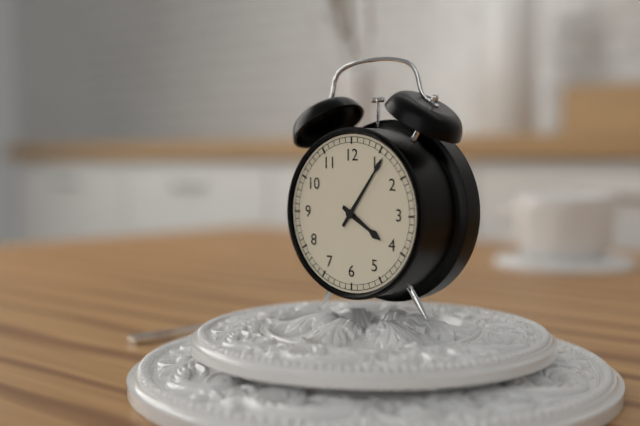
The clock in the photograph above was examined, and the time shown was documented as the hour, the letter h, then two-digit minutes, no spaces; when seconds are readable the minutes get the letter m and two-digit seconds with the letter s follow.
4h06
